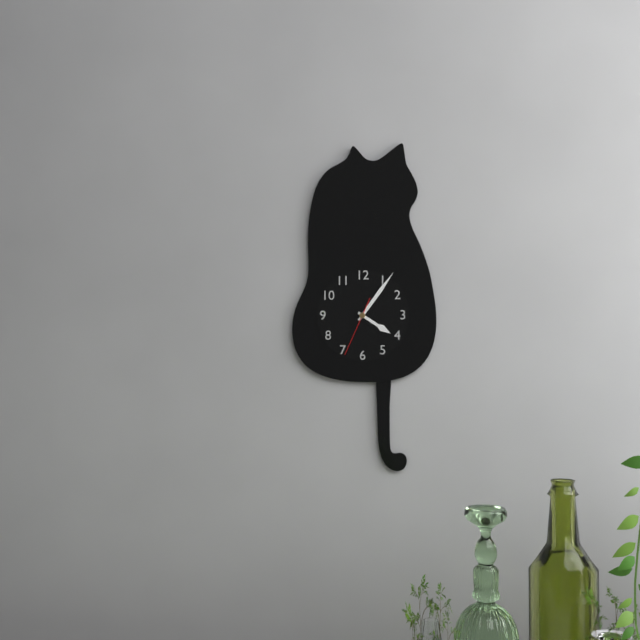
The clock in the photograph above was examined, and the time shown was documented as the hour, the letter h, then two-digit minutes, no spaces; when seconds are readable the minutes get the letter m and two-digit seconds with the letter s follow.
4h06m34s
